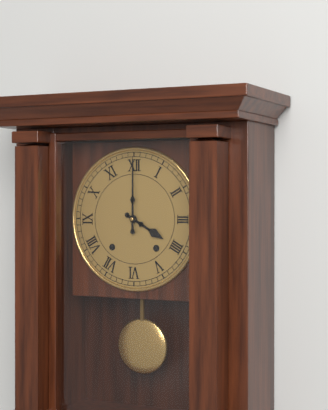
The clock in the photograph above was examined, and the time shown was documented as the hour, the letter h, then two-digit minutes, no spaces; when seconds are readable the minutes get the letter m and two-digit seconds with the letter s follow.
4h00
